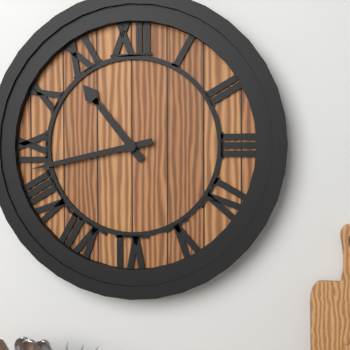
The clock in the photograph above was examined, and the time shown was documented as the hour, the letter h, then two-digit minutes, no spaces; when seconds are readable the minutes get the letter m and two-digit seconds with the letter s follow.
10h43
